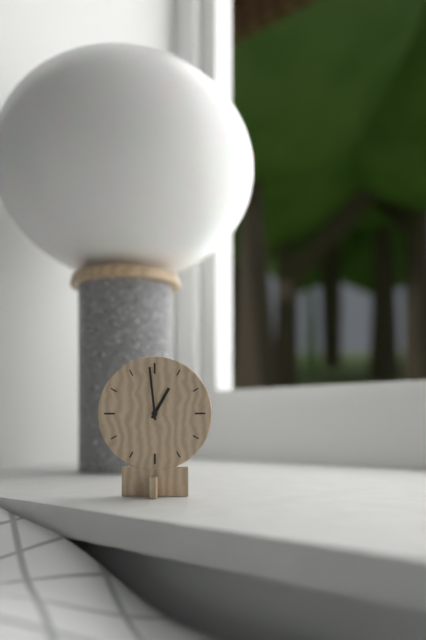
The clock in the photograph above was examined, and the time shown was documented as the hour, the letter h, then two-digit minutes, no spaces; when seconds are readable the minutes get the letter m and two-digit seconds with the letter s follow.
12h59
